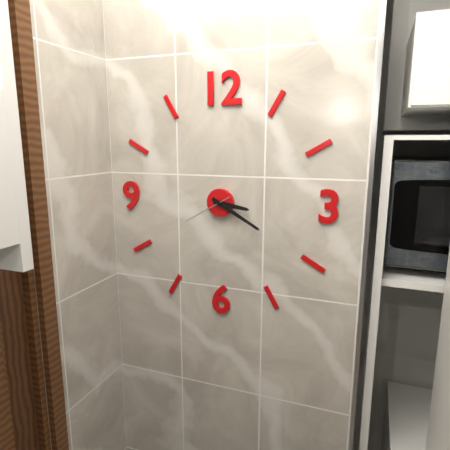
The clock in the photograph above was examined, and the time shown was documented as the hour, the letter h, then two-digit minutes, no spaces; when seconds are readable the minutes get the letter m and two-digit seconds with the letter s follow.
3h20
